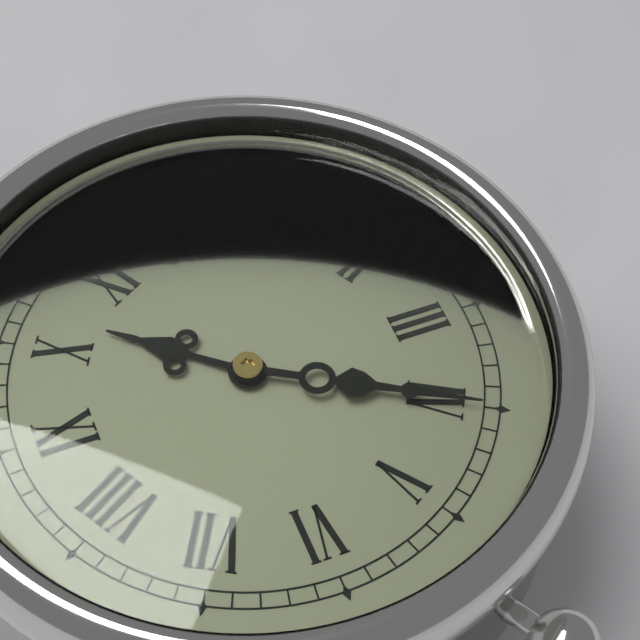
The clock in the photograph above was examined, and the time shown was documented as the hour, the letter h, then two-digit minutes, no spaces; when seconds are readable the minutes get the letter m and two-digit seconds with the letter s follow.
10h20
